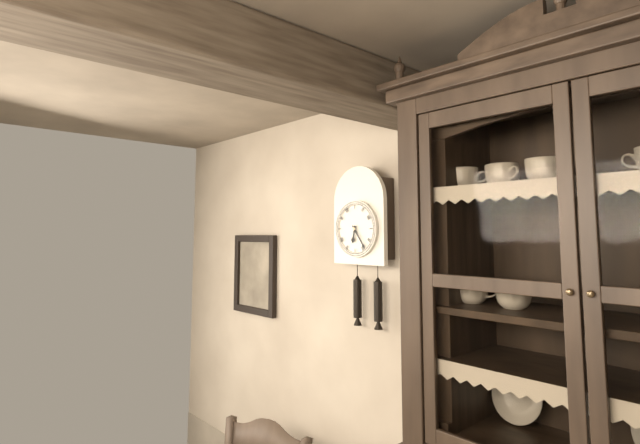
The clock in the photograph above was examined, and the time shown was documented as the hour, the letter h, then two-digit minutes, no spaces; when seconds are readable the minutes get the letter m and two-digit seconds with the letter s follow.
6h24
